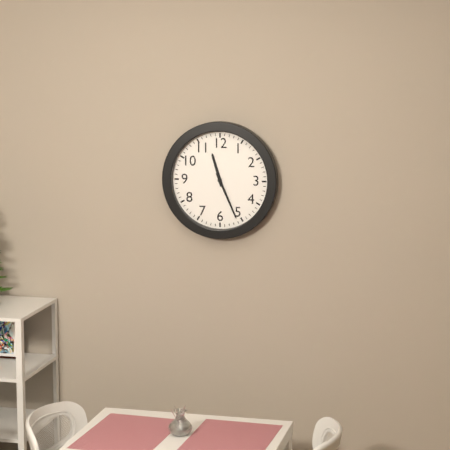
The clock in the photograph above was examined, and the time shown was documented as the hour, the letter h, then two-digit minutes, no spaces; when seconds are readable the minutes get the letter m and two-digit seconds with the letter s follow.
11h26
